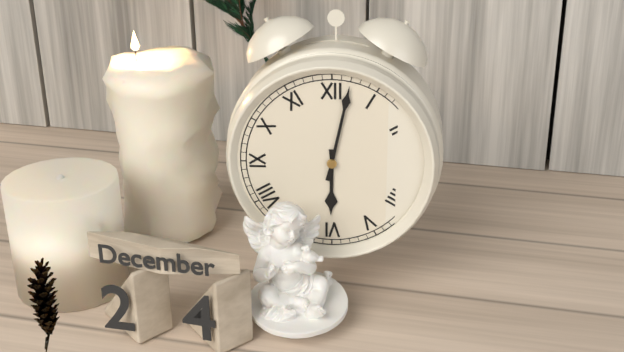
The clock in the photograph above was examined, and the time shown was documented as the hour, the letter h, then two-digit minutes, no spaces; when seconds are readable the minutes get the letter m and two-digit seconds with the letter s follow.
6h02
